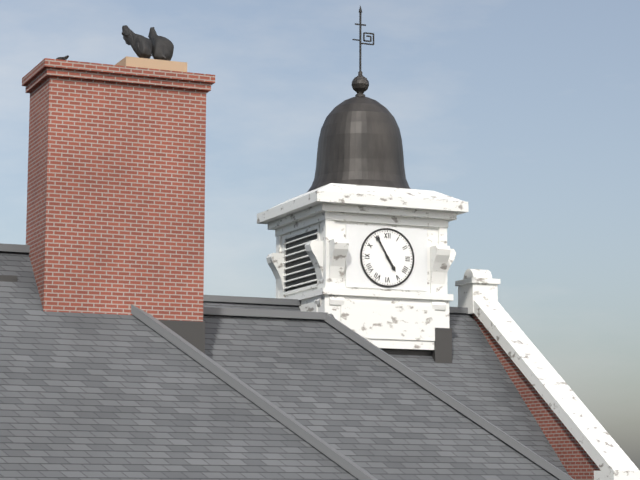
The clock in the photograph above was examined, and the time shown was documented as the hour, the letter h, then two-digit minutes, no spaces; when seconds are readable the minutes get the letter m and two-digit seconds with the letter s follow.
4h55
